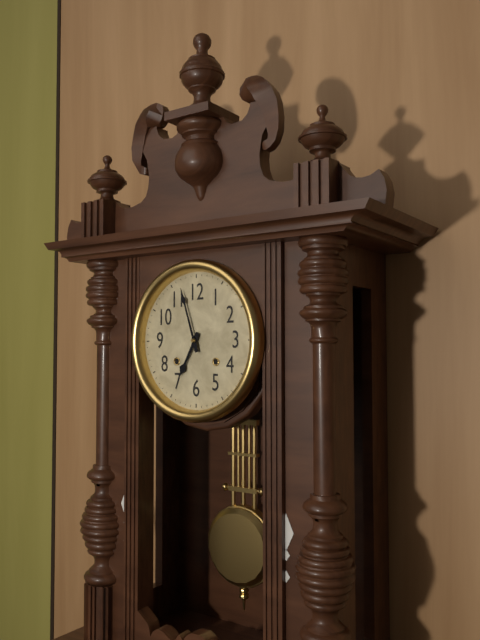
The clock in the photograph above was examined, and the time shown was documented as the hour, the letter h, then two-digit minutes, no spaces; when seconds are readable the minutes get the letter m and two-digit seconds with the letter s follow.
6h57
